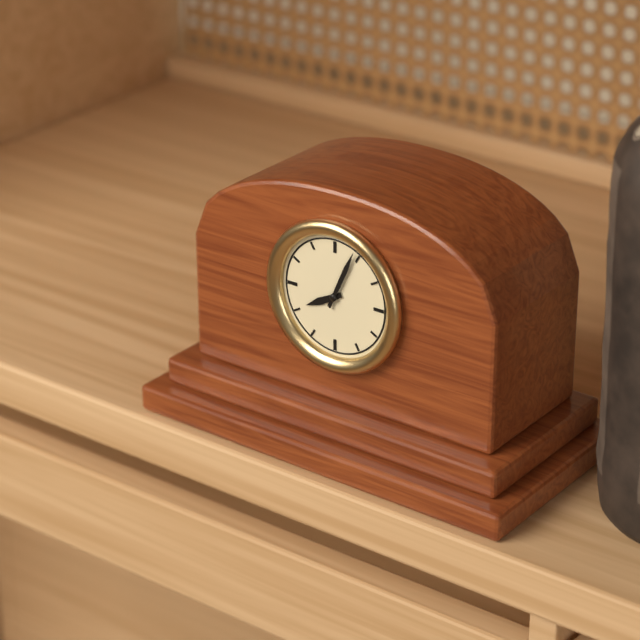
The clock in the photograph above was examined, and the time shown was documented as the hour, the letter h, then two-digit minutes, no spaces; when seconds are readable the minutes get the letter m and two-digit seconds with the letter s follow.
8h04
